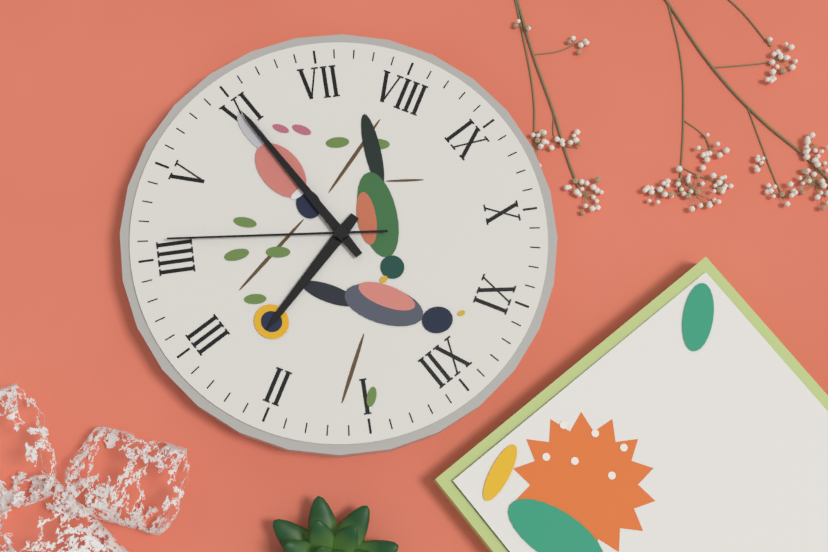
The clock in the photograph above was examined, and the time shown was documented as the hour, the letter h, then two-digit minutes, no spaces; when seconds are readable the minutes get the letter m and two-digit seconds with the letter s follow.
2h30m21s
